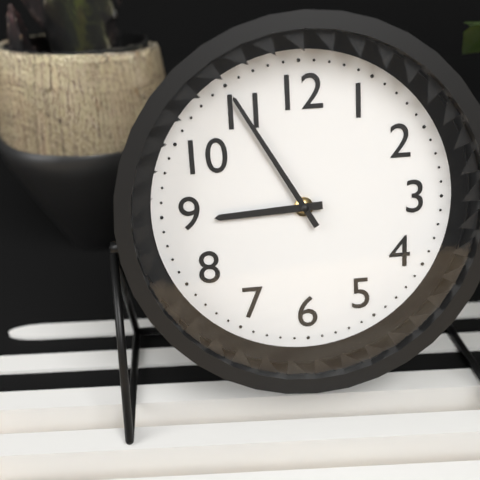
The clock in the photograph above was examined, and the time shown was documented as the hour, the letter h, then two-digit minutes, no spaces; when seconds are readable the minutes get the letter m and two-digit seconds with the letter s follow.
8h55
